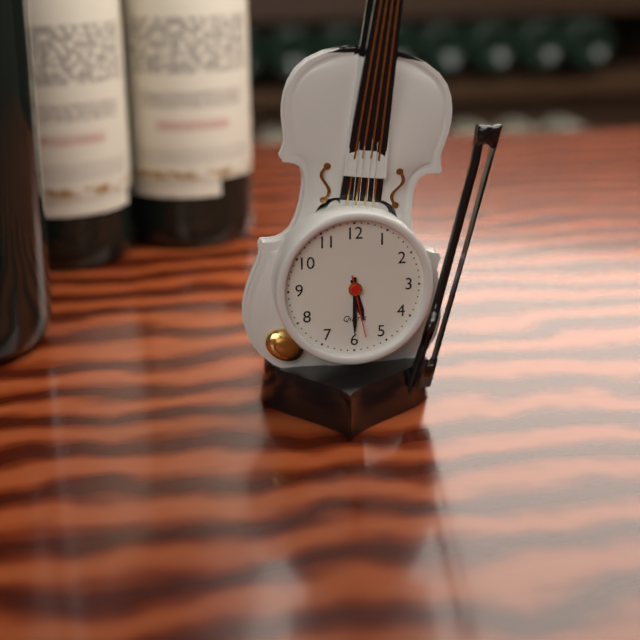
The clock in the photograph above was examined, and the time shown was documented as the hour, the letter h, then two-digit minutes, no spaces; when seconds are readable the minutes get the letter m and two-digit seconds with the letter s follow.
5h30m28s
